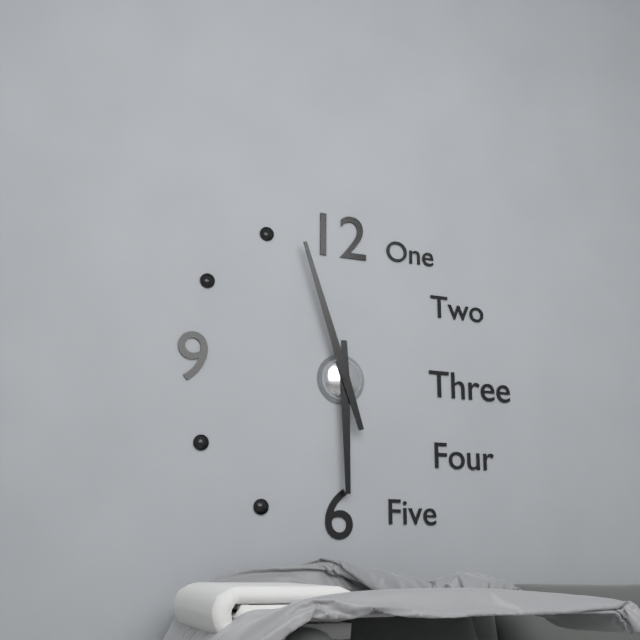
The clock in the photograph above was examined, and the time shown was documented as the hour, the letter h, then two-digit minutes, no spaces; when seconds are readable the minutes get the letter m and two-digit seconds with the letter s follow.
5h57
